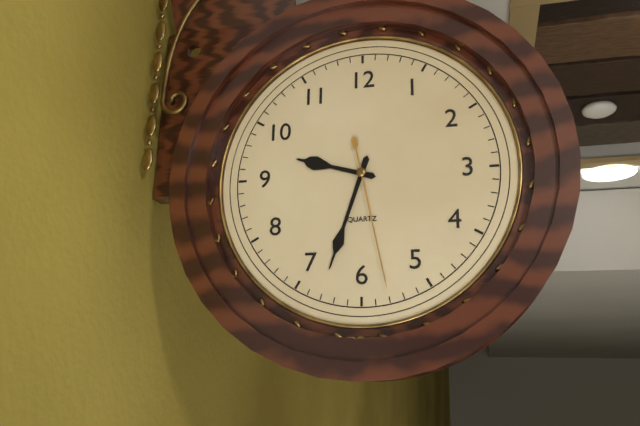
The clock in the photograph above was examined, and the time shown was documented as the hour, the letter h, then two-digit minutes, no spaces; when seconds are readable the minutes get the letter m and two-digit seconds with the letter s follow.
9h33m28s
